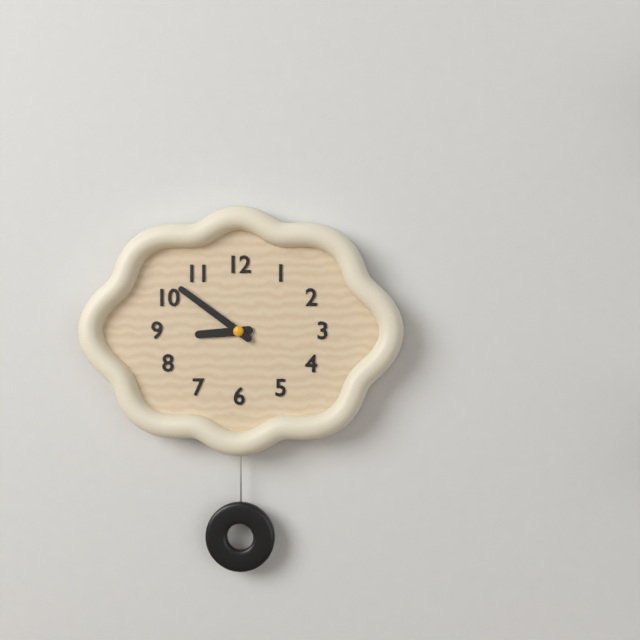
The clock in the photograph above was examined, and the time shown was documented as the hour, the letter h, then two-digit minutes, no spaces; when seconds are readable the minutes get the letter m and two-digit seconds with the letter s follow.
8h51
